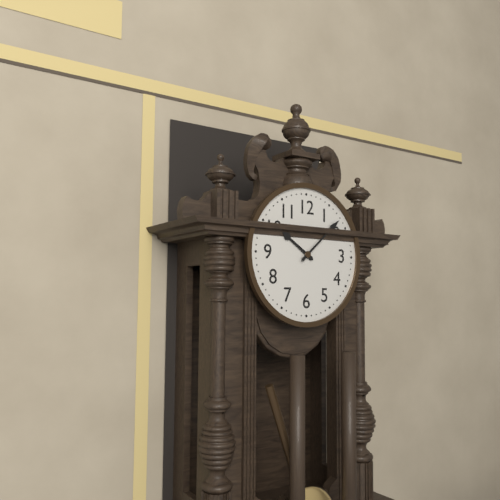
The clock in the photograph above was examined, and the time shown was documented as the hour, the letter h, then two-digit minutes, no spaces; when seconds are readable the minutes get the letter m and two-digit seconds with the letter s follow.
10h08
